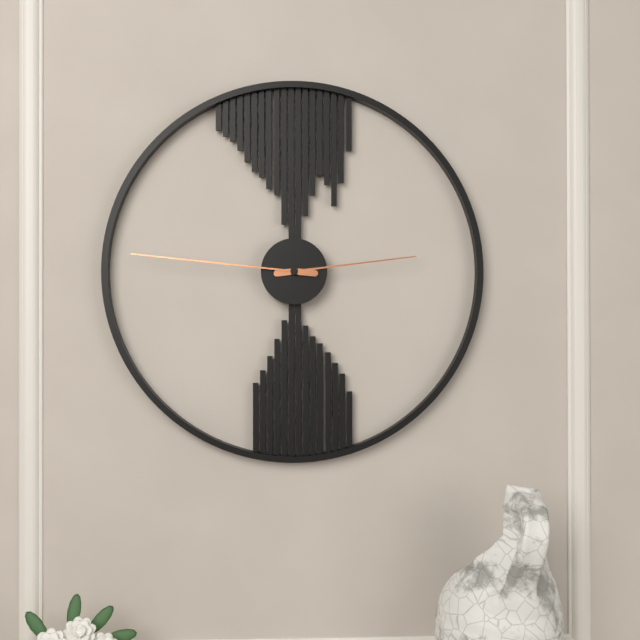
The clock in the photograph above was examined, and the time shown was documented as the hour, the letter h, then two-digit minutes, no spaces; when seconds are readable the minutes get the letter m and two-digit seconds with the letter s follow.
2h46
